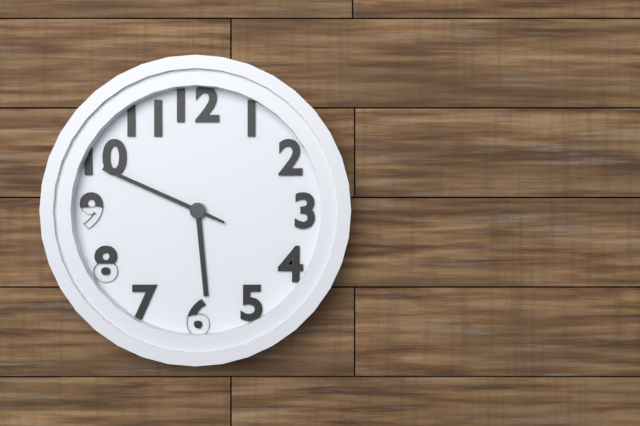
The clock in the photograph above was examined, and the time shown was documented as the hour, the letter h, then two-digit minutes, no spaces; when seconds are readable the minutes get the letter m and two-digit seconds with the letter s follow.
5h49
